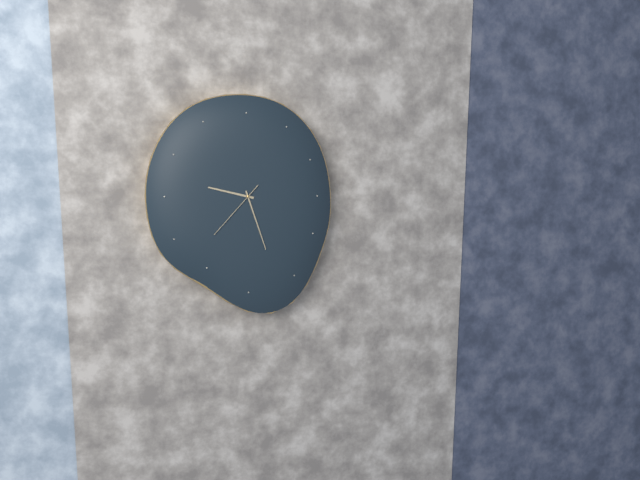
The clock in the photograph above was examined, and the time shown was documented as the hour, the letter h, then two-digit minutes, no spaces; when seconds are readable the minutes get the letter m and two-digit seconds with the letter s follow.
9h27m37s
